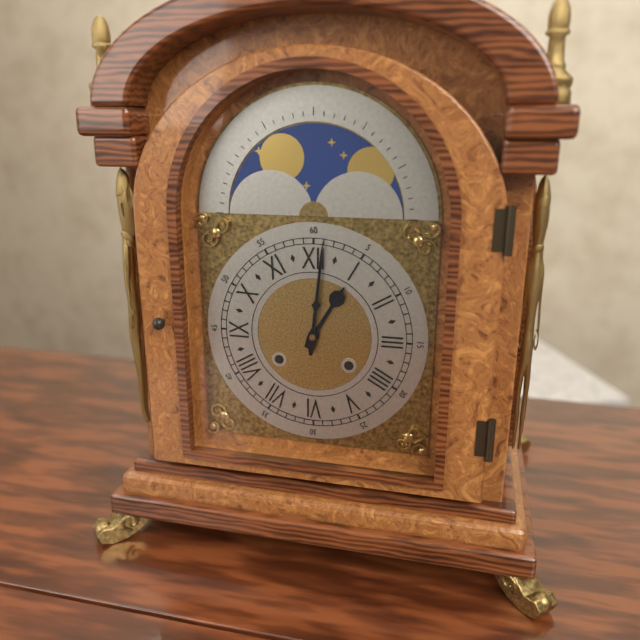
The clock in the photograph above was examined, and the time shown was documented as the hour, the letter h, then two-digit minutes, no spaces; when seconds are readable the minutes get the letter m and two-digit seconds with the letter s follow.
1h01
